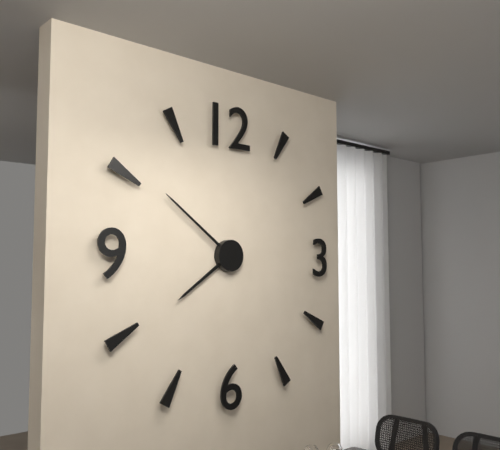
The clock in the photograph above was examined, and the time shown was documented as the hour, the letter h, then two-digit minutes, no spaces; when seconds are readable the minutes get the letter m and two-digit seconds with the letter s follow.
7h51
